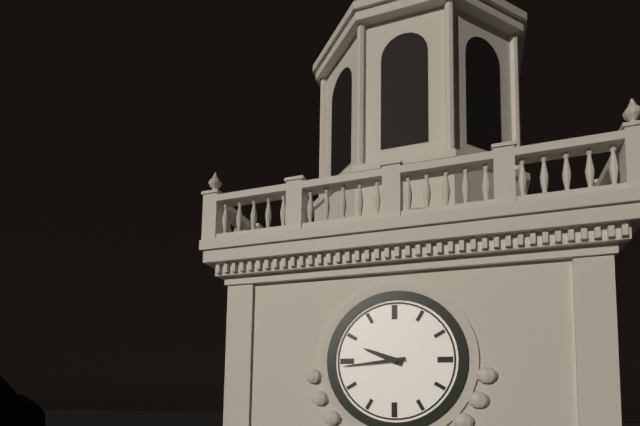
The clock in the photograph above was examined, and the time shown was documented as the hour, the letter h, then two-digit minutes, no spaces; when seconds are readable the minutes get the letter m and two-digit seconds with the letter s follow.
9h44
